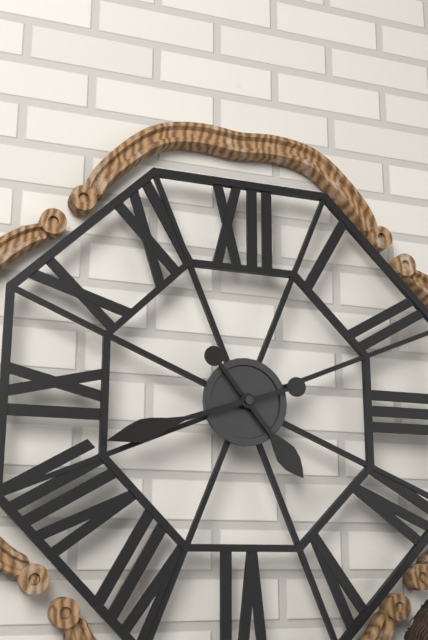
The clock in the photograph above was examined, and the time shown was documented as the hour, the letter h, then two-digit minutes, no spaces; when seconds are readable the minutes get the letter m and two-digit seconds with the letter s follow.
4h42
